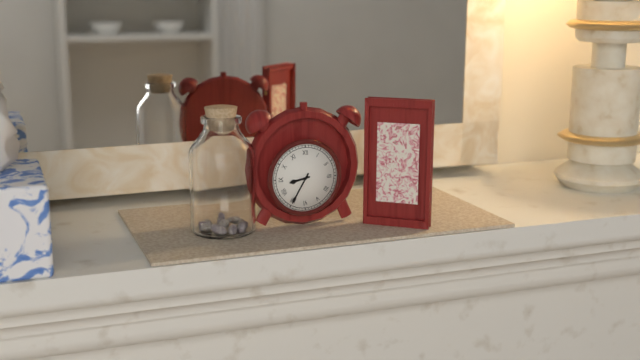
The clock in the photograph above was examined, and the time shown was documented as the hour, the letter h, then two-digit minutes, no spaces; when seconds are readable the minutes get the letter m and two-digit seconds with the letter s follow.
8h35
